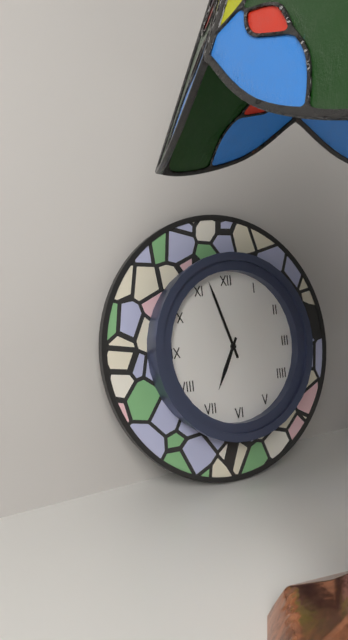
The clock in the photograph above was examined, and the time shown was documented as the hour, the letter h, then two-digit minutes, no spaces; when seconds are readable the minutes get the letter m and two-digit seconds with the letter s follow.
6h57
